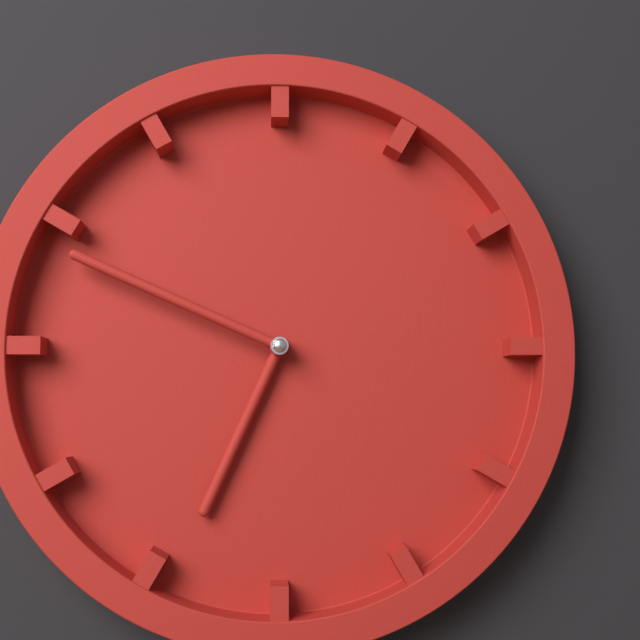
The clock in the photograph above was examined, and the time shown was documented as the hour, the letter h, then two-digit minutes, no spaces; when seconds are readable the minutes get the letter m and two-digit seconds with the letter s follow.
6h49
